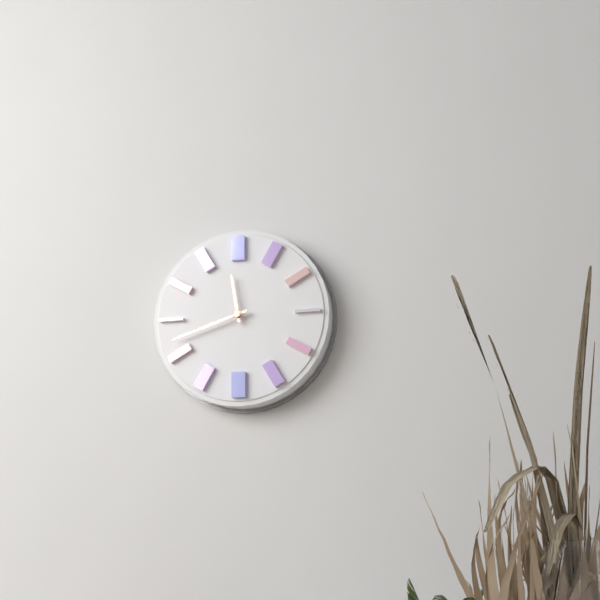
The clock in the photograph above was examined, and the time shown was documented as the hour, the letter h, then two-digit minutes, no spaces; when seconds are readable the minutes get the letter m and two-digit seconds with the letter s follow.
11h42
